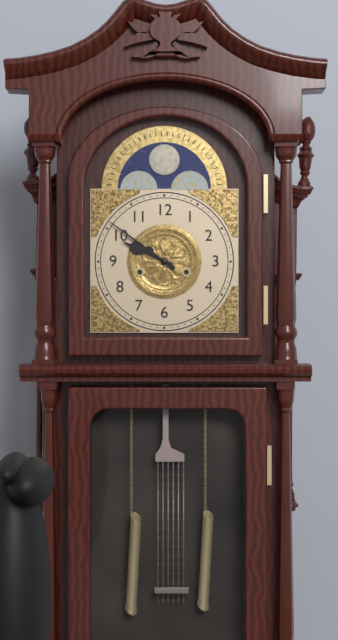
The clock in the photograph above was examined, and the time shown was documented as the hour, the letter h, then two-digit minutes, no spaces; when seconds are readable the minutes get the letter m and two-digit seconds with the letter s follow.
9h51
